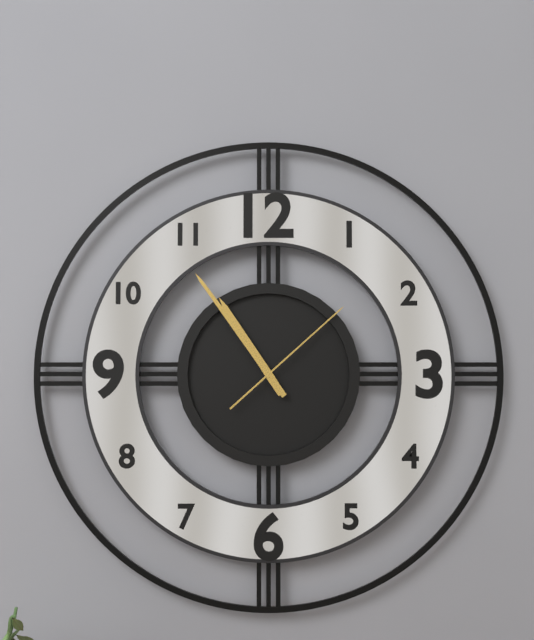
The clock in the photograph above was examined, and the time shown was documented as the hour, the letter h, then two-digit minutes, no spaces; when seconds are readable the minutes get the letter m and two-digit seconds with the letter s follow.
10h54m08s
